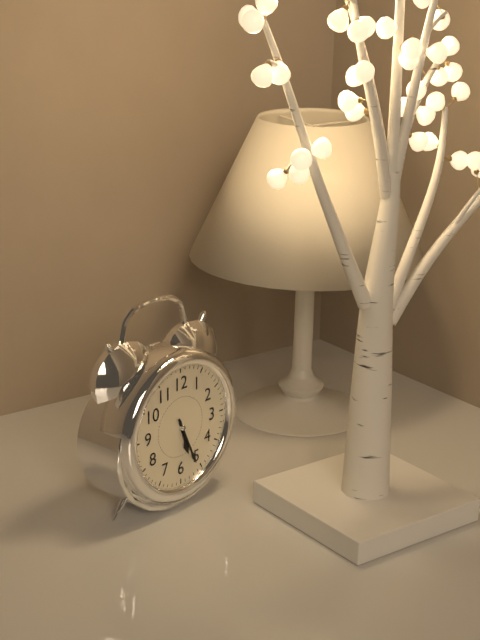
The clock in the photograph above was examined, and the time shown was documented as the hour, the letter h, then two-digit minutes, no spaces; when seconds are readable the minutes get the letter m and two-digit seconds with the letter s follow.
5h26
